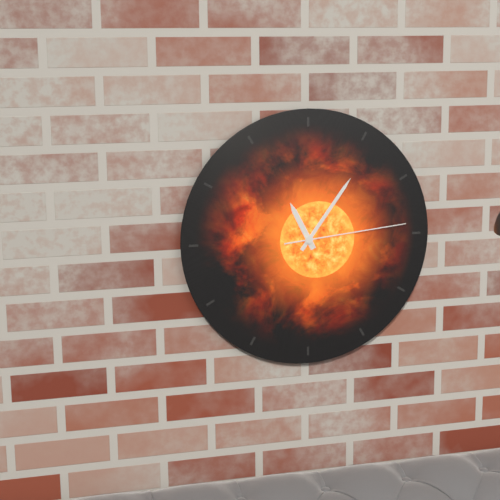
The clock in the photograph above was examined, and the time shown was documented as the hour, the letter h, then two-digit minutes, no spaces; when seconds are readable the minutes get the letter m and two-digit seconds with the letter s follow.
11h06m14s
